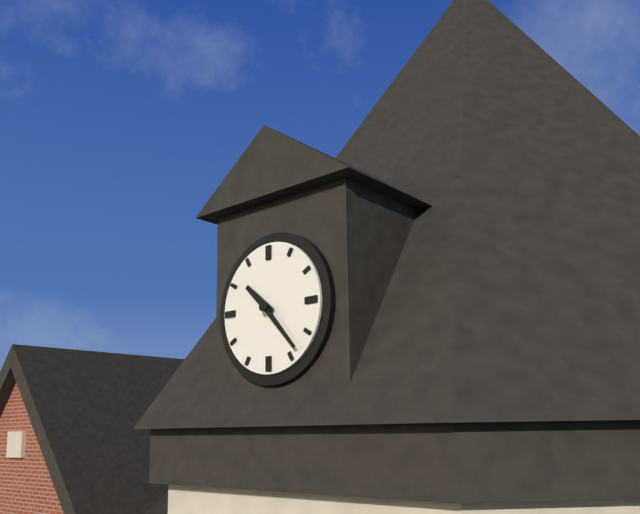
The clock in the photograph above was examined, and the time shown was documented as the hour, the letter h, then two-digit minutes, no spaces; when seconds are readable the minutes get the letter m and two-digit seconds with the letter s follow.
10h23
